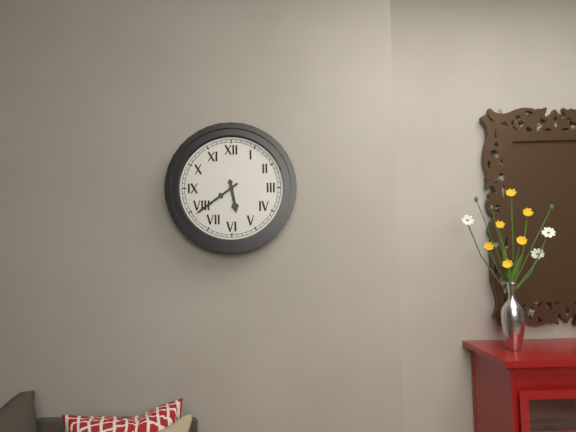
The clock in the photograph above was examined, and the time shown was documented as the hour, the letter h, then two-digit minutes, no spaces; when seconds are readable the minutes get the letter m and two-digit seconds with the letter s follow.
5h39
